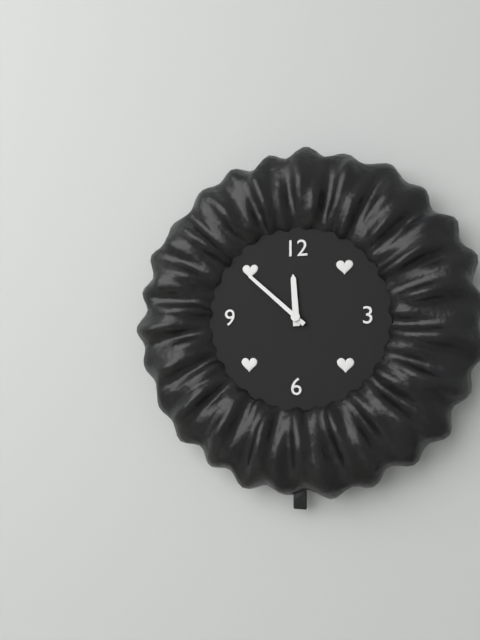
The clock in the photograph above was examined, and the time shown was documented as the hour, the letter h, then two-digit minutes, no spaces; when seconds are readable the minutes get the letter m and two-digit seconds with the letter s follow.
11h52
